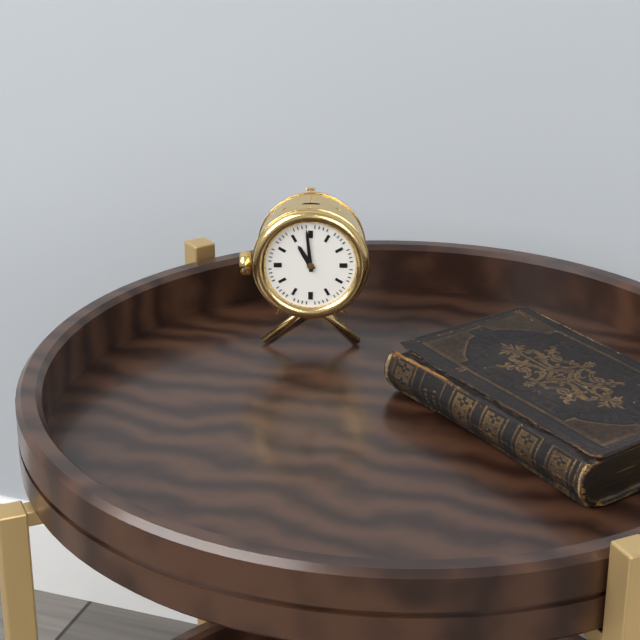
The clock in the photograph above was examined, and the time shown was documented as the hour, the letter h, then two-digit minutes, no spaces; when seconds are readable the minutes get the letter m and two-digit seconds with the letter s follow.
10h59
